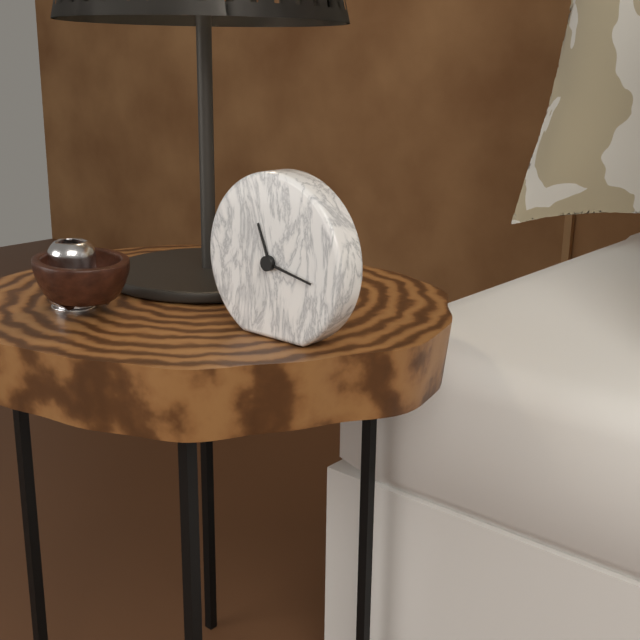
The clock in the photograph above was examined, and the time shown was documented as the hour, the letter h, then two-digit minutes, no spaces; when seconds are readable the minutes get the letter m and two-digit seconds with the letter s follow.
11h17
